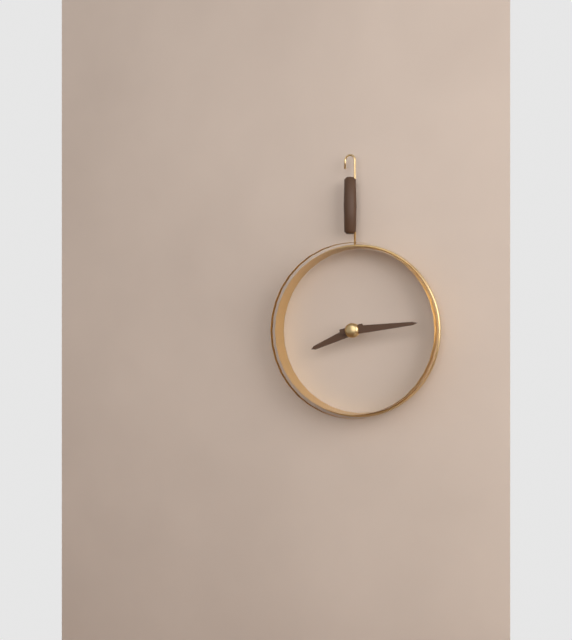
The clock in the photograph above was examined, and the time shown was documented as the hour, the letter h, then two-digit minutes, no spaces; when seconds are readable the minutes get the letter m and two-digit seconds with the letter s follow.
8h14
